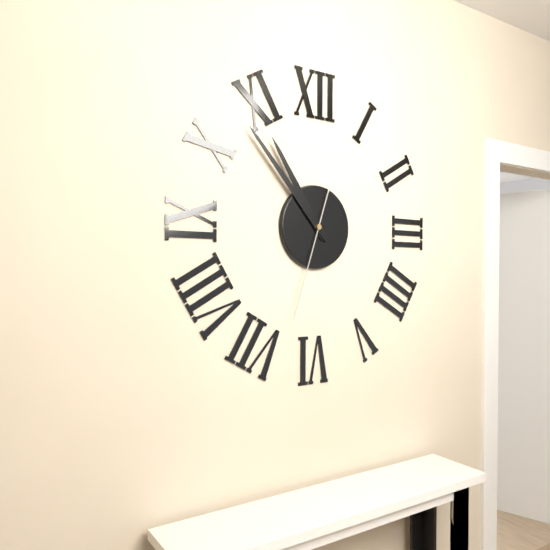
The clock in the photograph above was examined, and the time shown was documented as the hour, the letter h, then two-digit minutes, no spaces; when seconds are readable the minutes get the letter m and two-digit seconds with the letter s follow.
10h53m33s
